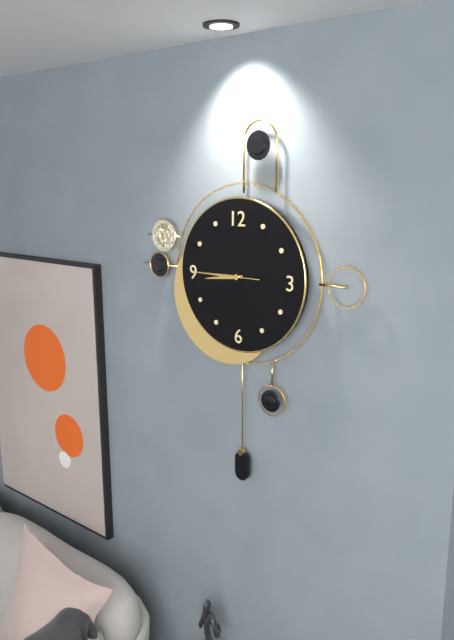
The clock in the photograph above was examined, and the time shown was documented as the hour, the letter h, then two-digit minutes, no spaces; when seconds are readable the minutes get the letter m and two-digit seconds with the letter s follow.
8h45m45s
